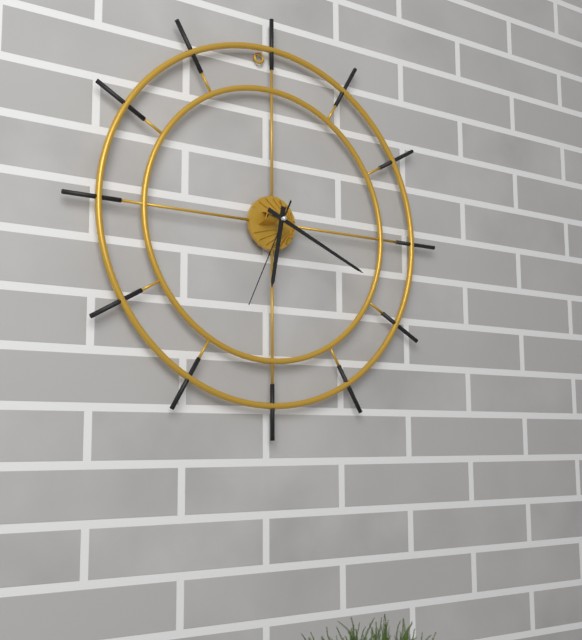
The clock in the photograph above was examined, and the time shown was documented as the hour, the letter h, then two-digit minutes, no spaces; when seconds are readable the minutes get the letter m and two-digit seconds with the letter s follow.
6h19m34s
